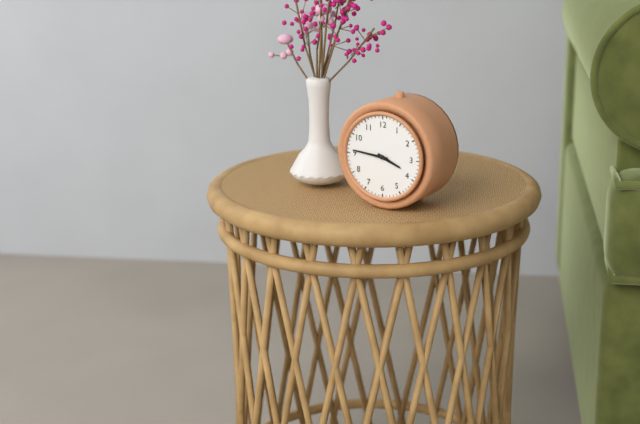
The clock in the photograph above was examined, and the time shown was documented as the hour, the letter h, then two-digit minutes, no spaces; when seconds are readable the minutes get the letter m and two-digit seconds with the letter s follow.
3h46
